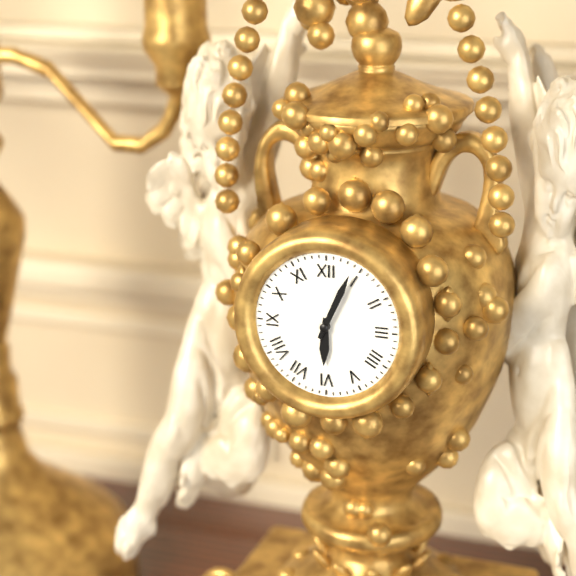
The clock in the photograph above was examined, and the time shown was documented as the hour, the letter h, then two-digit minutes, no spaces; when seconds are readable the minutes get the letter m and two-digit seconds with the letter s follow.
6h04
